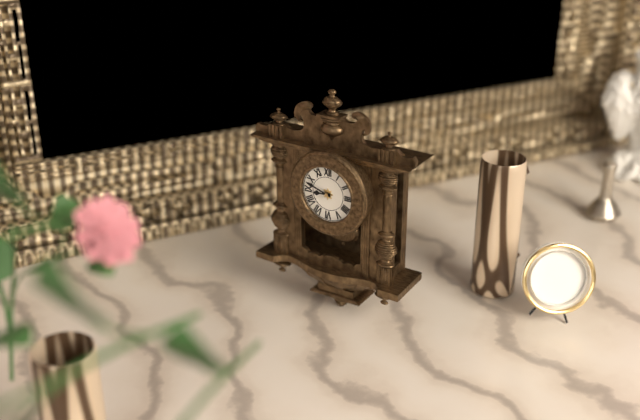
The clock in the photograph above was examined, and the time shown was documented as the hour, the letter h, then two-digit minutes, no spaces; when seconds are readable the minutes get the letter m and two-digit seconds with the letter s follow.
8h48
